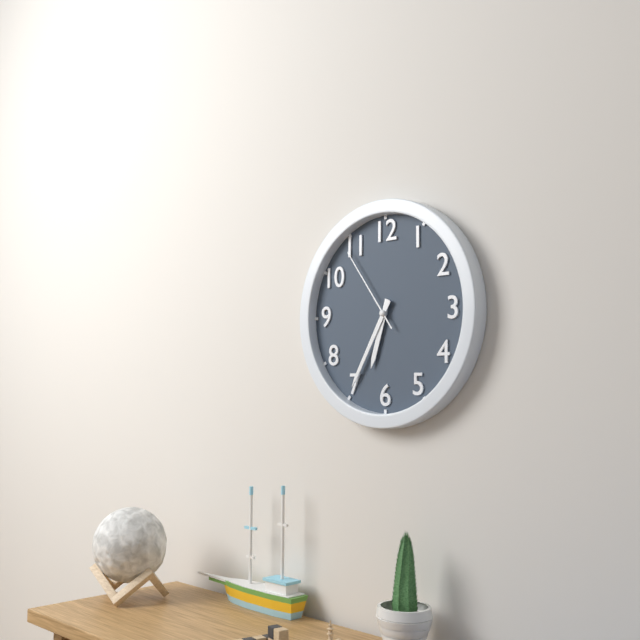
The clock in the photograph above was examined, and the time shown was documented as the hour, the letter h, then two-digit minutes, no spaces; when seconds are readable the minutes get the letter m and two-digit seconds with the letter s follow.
6h35m54s
